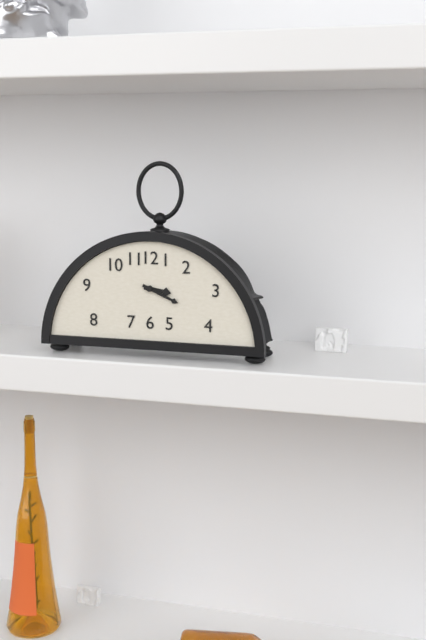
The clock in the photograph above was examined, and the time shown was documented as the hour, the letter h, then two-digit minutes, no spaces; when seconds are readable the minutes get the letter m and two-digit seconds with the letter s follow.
3h19
